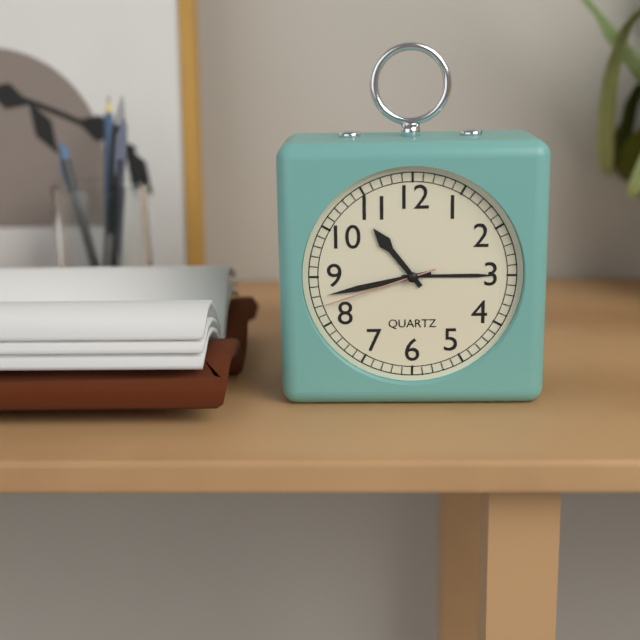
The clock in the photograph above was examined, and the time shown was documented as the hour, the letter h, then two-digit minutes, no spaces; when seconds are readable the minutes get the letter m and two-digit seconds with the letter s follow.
10h43m42s
